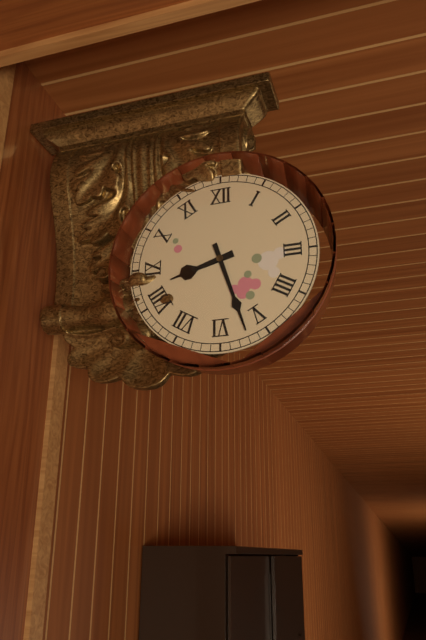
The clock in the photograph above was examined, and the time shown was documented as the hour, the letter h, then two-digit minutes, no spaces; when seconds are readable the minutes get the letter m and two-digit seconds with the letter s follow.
8h27
